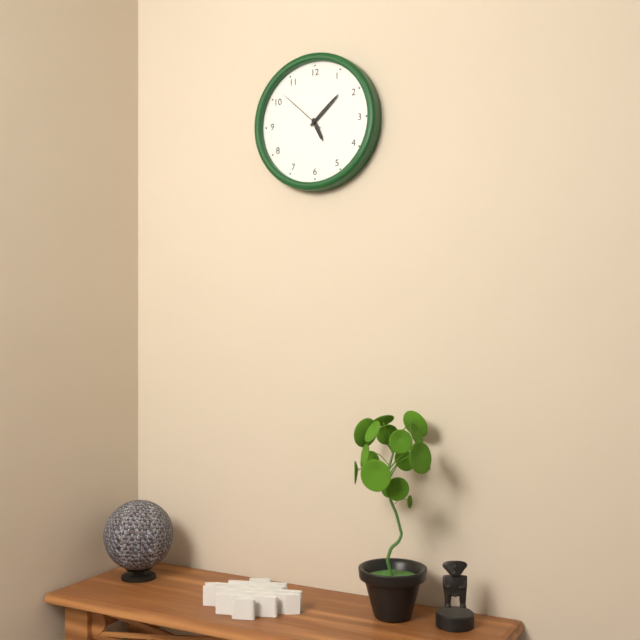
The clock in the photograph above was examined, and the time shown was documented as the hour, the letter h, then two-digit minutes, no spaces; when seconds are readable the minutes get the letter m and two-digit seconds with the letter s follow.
5h08m52s
